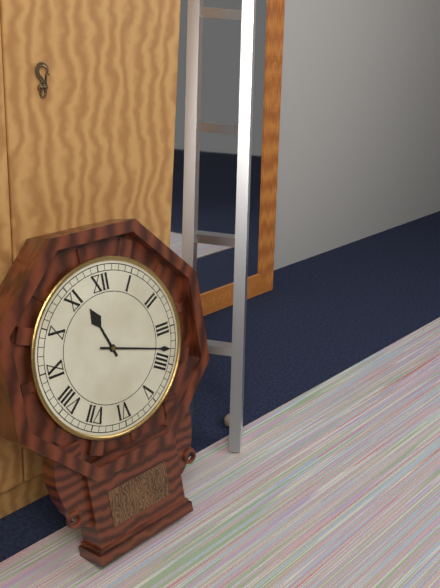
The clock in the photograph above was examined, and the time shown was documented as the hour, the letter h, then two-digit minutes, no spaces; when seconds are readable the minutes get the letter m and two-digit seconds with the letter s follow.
11h18
